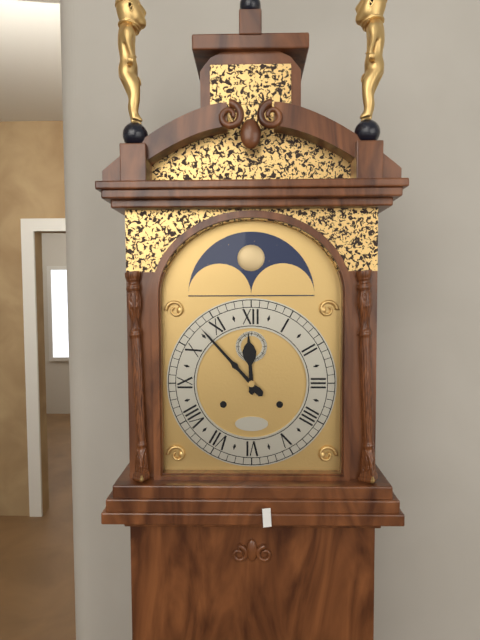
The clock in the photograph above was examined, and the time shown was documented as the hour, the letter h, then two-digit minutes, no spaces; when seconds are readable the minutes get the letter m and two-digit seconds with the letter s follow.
11h53
